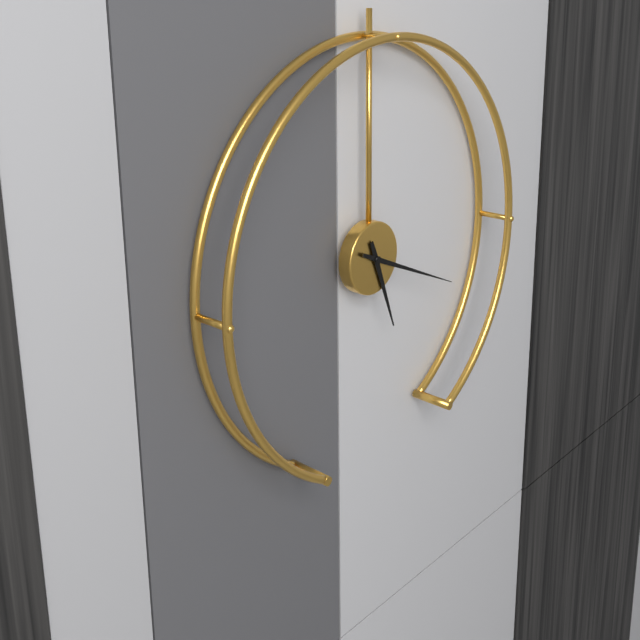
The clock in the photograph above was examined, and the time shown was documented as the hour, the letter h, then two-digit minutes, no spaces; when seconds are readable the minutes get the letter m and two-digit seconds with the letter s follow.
5h19
